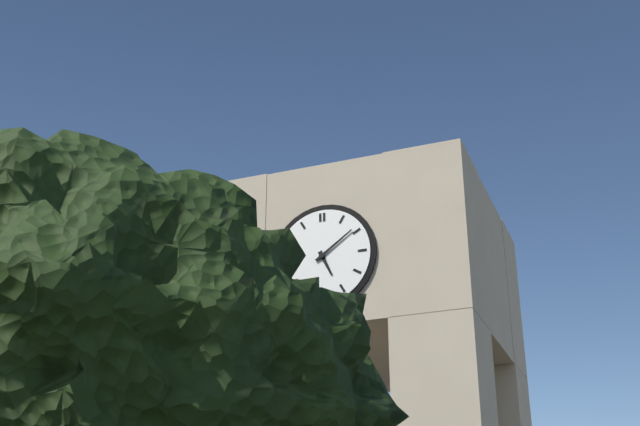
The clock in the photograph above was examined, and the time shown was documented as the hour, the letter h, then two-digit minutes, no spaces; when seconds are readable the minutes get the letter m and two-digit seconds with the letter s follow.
5h09
